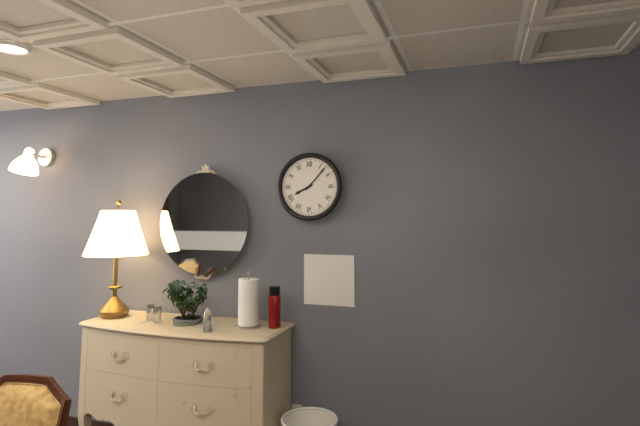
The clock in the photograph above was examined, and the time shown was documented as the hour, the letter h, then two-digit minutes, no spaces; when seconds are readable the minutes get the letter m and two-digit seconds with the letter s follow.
8h07
